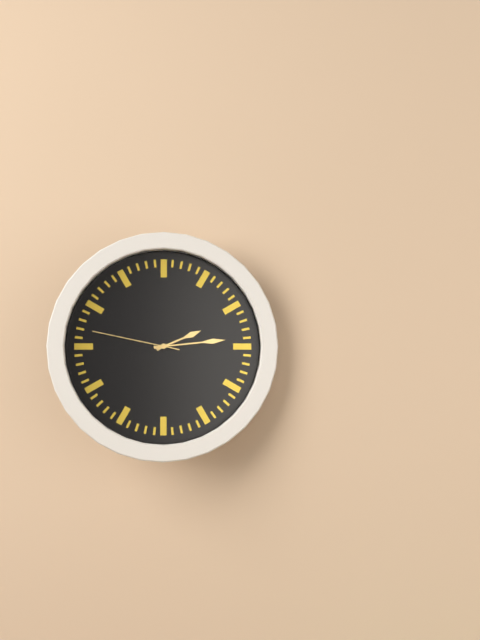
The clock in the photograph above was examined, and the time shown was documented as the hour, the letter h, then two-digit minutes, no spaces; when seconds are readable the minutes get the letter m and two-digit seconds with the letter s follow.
2h14m47s
